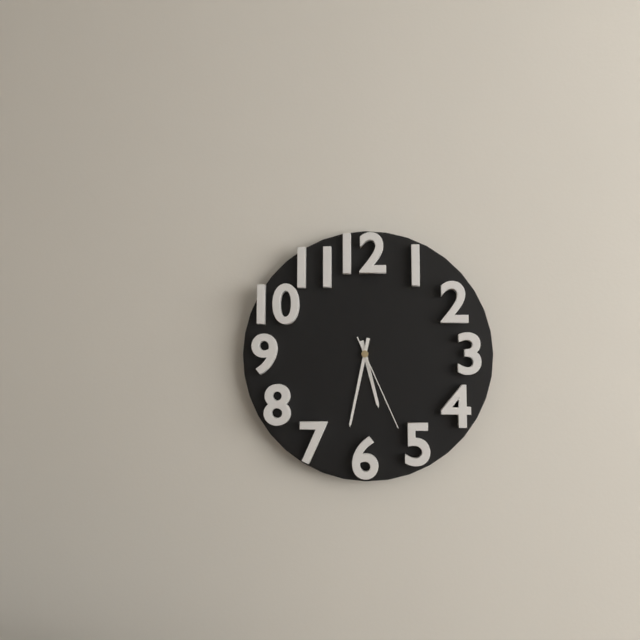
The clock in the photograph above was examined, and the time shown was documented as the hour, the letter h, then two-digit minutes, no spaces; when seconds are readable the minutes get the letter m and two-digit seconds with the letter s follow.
5h32m26s
